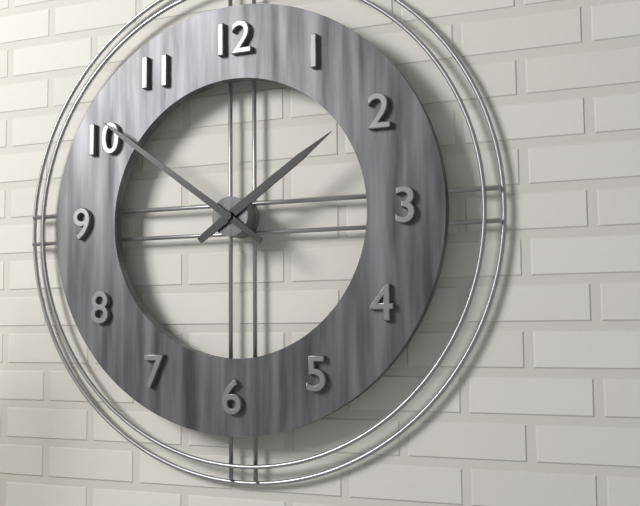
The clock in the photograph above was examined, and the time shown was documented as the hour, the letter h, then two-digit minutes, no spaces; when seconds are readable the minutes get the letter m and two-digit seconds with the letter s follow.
1h51
